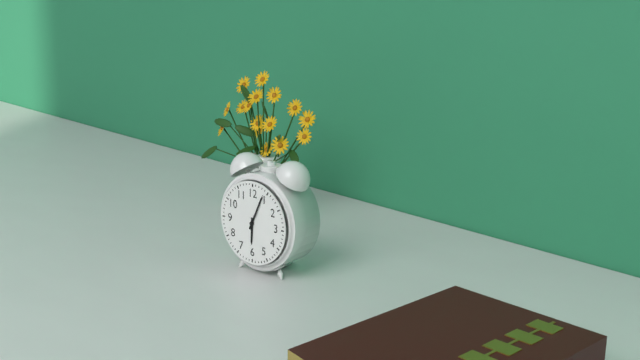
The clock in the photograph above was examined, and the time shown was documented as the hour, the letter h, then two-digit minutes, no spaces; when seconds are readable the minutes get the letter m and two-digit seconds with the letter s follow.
6h04
